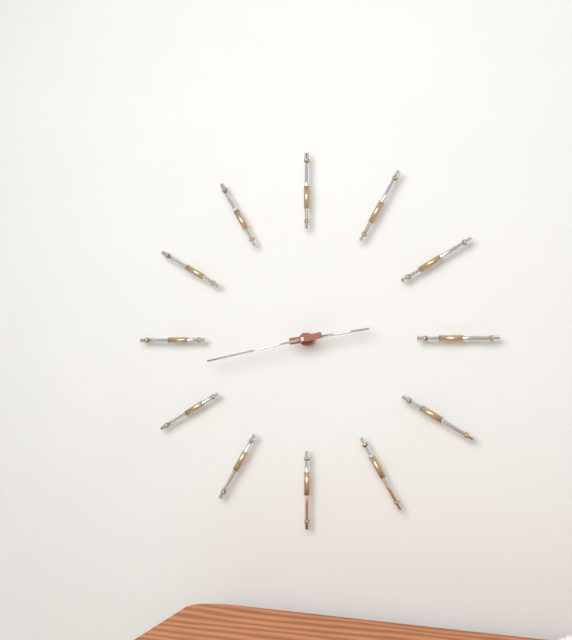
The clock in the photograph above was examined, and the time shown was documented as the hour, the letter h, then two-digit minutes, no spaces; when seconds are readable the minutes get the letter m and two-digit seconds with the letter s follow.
2h43
